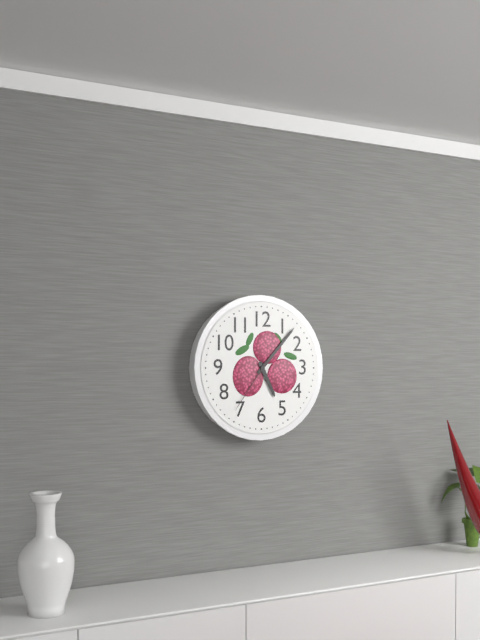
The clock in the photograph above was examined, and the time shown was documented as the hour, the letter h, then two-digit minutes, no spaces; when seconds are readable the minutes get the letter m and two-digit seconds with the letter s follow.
5h07m36s
